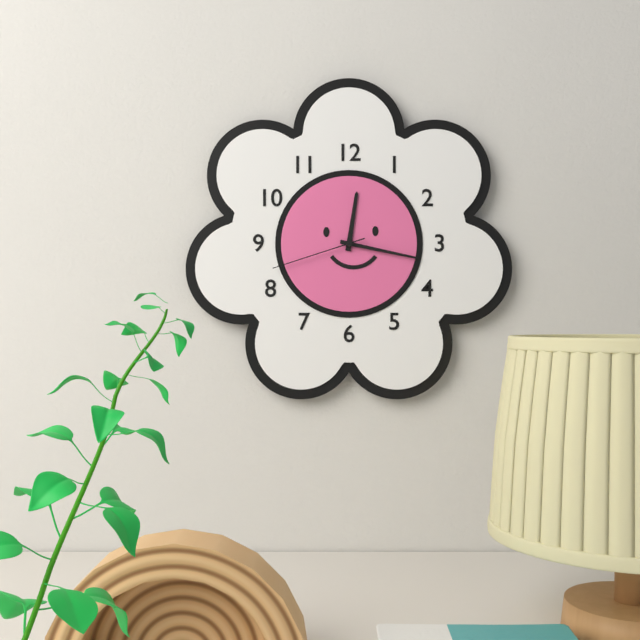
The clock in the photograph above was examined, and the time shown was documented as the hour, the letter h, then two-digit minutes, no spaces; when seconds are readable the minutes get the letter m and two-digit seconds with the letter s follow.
12h17m42s
